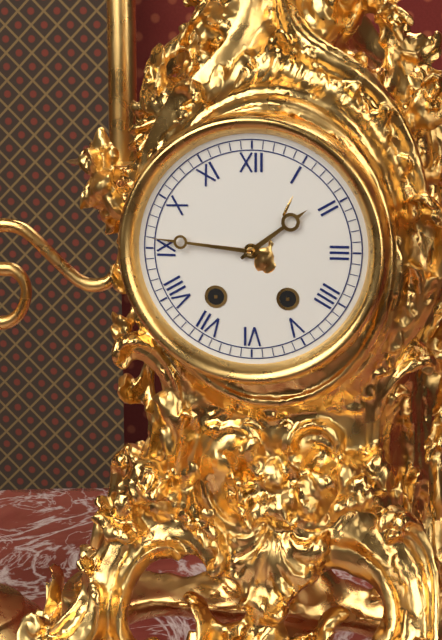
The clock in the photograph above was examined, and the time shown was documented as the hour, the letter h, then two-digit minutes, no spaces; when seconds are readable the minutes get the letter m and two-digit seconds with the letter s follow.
1h46
